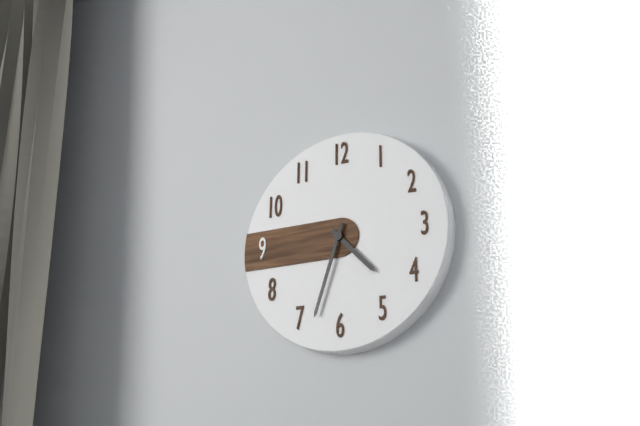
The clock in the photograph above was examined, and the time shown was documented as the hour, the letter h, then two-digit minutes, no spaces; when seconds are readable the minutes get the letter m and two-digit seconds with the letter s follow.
4h33
